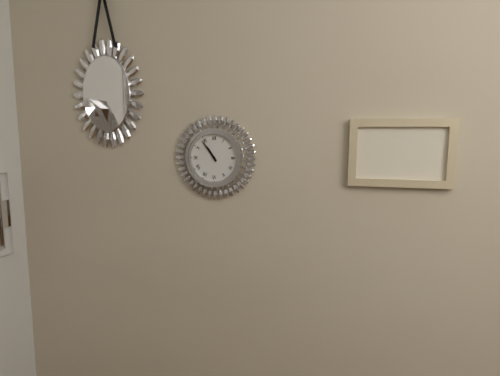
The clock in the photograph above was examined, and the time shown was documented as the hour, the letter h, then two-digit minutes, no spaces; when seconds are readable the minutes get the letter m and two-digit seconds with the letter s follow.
10h54
